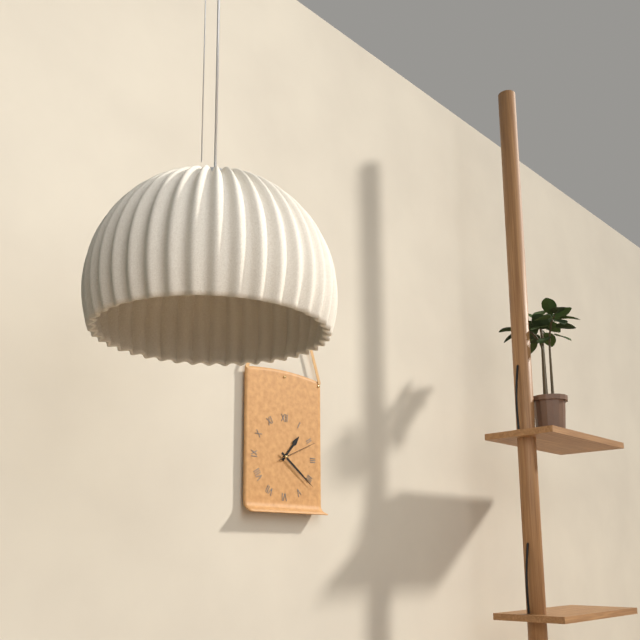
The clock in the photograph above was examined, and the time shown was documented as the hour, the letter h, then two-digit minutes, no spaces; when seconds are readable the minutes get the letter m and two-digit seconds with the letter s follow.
1h21
